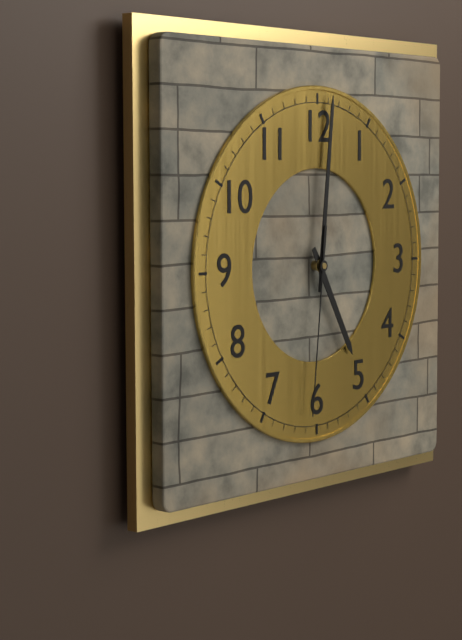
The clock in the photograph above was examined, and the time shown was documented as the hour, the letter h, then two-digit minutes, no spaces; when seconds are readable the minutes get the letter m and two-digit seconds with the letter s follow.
5h01m31s
